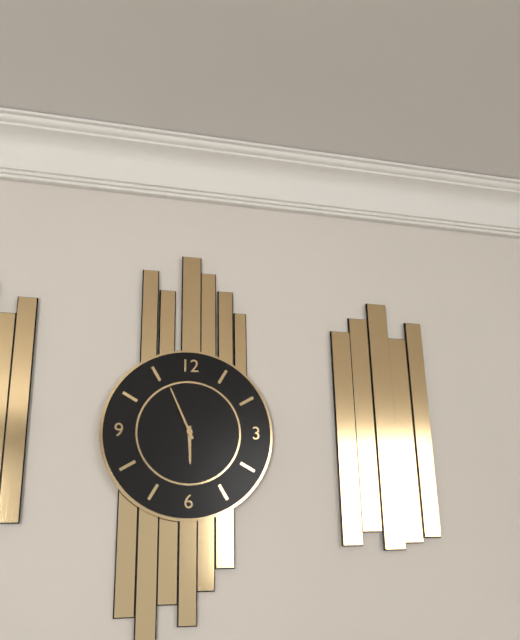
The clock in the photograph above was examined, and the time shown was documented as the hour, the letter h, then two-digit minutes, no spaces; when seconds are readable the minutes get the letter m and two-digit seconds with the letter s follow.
5h56
